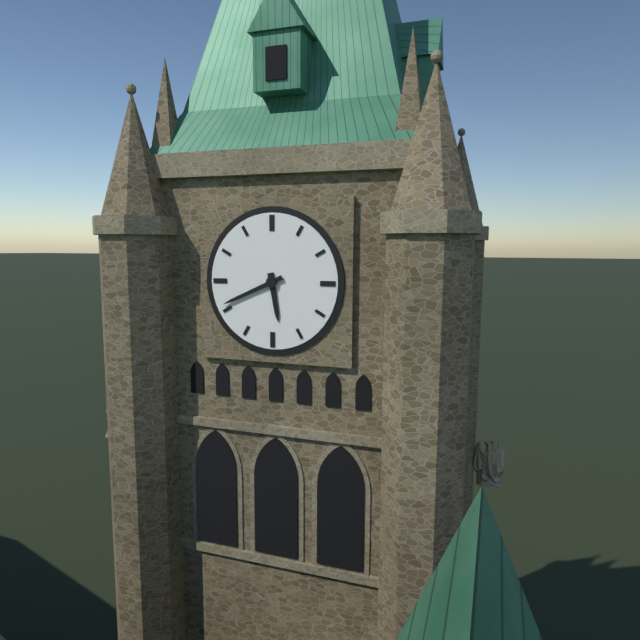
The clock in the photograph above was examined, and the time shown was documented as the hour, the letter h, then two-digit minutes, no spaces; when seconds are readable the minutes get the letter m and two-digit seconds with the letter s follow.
5h41
